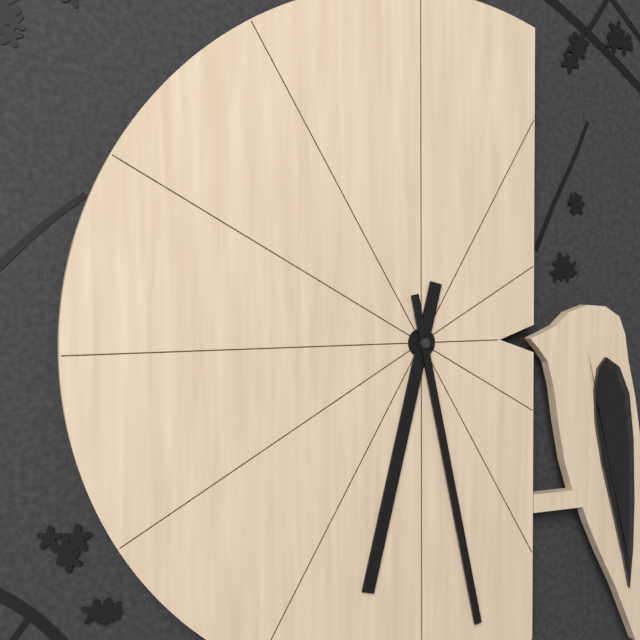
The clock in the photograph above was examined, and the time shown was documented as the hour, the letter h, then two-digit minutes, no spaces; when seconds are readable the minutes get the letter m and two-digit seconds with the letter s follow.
6h28
